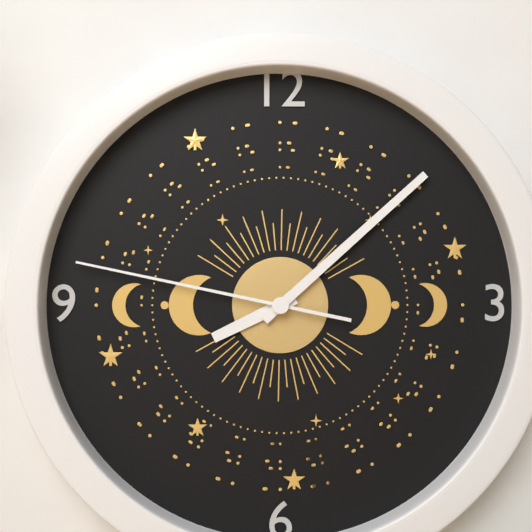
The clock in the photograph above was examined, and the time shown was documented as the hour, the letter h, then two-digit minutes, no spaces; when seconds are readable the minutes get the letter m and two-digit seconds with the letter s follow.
8h08m47s
